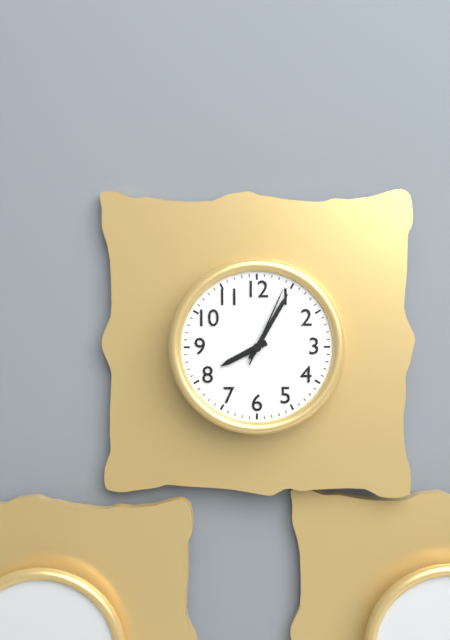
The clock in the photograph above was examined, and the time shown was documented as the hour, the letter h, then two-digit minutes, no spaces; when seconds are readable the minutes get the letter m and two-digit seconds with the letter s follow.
8h05m04s
